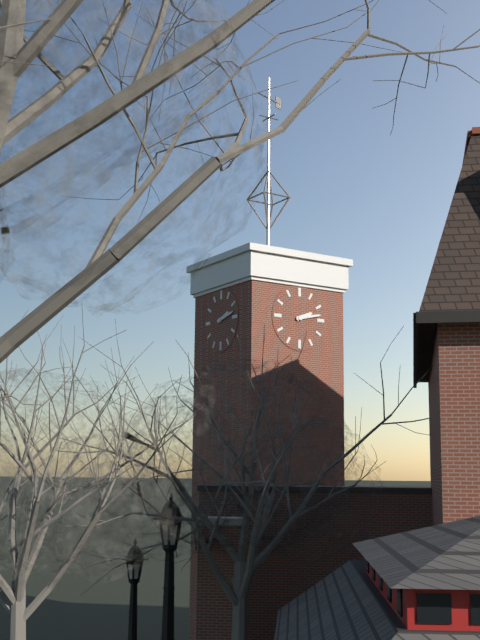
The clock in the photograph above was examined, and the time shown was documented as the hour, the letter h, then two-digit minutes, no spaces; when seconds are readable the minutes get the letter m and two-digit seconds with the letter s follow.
2h13
